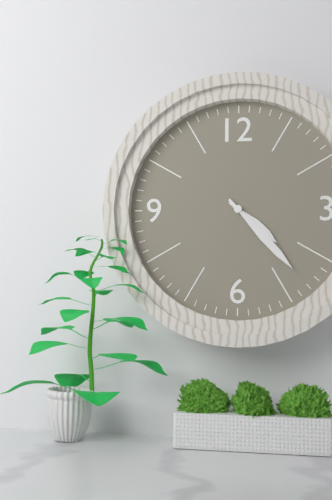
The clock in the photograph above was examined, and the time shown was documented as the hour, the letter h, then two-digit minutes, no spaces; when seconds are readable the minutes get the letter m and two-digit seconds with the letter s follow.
4h23
